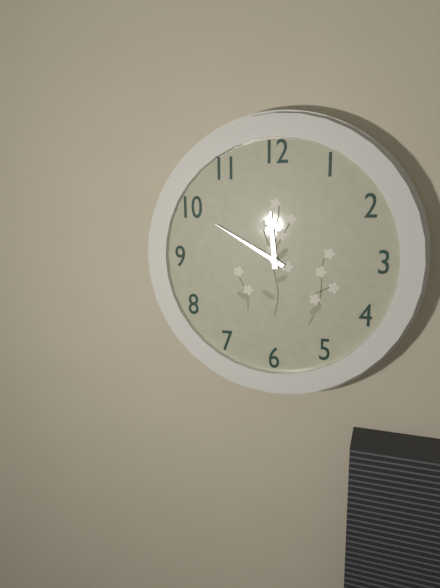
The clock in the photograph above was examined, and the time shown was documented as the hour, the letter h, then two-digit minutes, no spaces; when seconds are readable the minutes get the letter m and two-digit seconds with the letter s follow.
11h50
